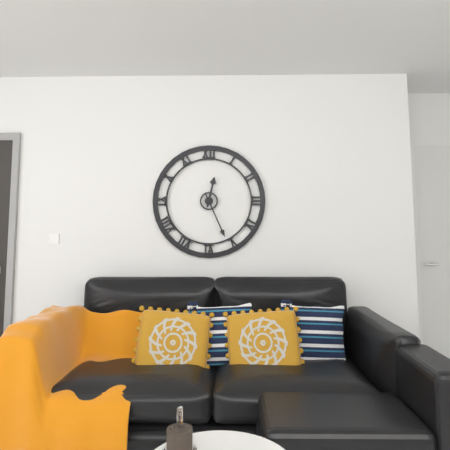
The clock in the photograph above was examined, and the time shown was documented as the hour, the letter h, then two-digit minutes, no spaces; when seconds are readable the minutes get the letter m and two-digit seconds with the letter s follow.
12h26
